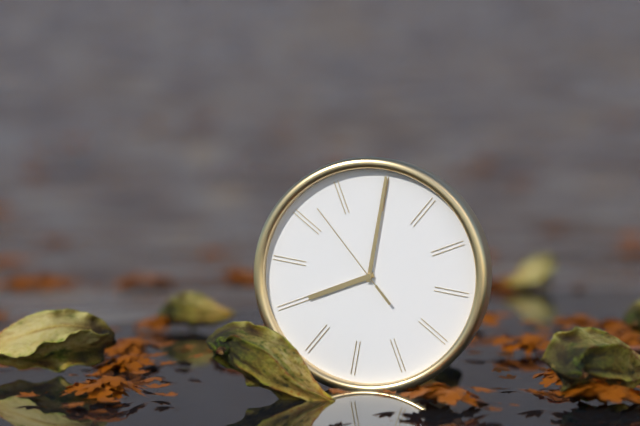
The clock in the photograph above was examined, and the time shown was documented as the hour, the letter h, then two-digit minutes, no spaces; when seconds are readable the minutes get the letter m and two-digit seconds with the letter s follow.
8h00m52s
